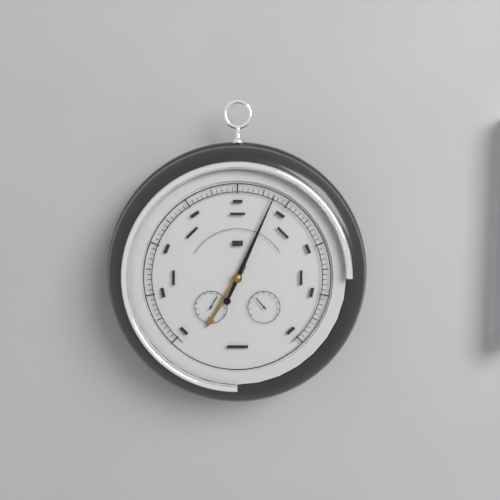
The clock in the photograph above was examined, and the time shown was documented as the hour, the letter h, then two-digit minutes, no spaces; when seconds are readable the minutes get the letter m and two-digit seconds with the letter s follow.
7h04
